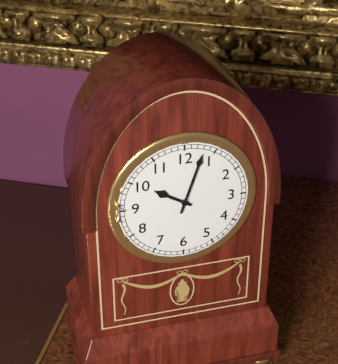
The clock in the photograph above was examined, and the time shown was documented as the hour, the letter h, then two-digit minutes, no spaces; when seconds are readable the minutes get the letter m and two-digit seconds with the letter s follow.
10h03
